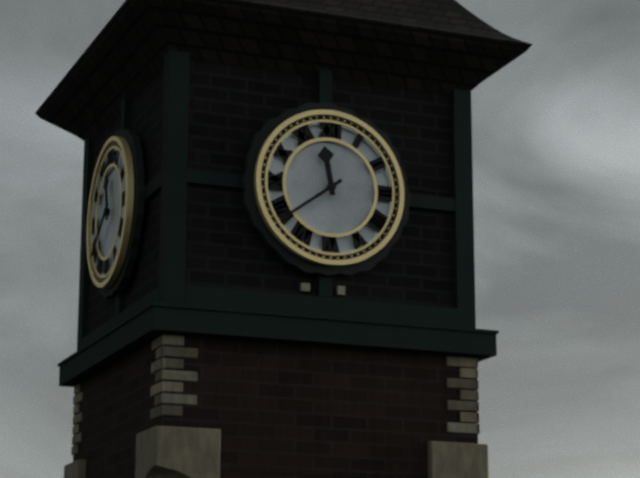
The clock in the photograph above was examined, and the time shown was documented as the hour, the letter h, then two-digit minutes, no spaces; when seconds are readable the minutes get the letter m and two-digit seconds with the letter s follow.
11h39
